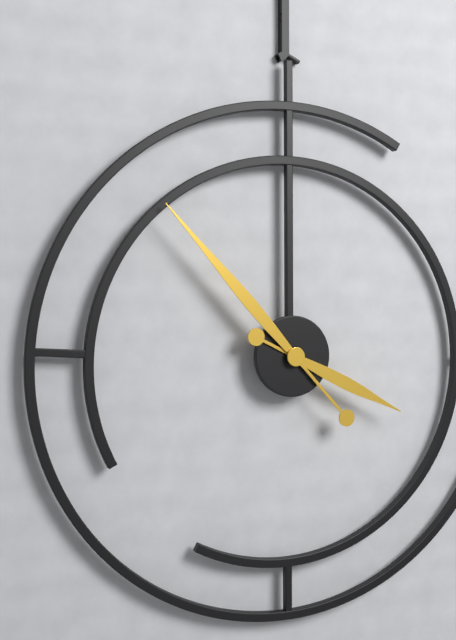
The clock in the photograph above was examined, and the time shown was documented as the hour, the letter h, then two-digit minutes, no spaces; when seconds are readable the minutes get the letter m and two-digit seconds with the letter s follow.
3h53
